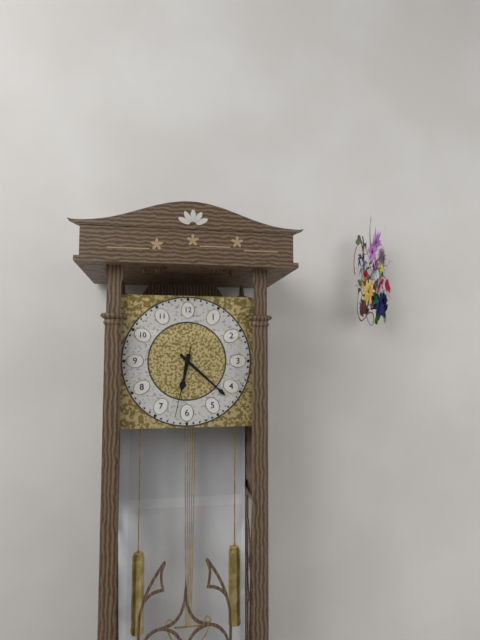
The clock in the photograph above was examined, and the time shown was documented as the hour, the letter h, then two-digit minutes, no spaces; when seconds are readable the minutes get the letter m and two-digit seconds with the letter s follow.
6h22m32s
